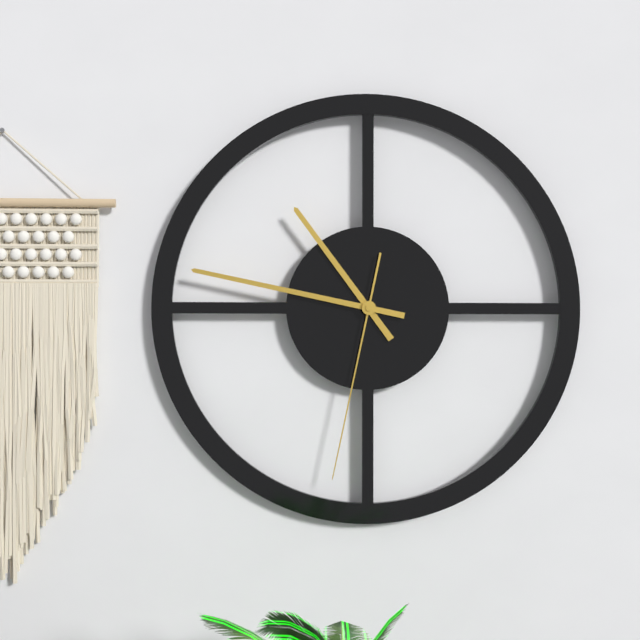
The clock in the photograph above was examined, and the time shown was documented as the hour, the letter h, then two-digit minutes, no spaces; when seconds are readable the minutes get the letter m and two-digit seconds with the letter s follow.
10h47m32s
